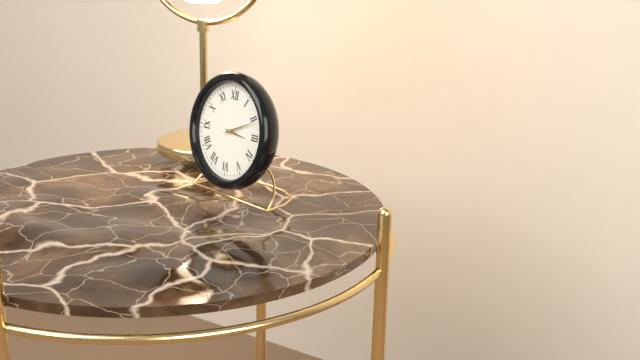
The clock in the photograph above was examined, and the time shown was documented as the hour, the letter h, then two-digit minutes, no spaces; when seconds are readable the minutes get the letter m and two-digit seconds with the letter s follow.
3h11
